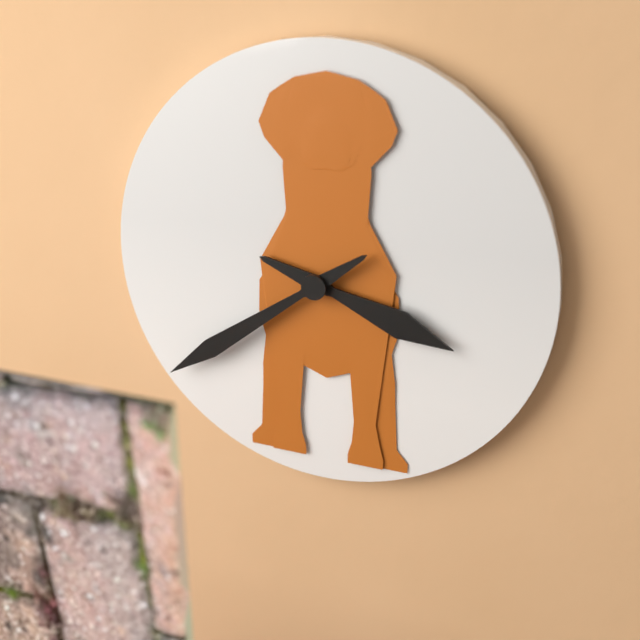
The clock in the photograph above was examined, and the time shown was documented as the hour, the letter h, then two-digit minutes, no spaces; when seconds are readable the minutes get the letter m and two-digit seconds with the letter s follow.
3h39
